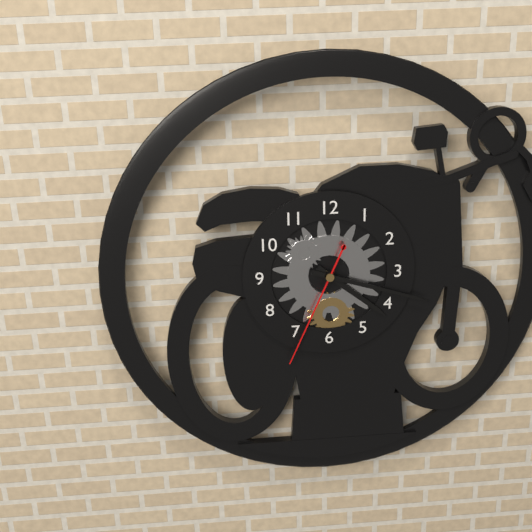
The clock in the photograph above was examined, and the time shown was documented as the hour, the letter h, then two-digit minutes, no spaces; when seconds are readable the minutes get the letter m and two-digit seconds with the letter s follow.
4h18m34s
